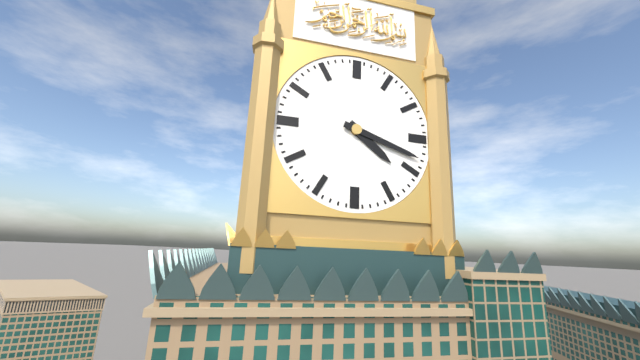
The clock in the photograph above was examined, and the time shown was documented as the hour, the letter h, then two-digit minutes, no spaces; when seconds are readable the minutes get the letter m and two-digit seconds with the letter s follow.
4h18
